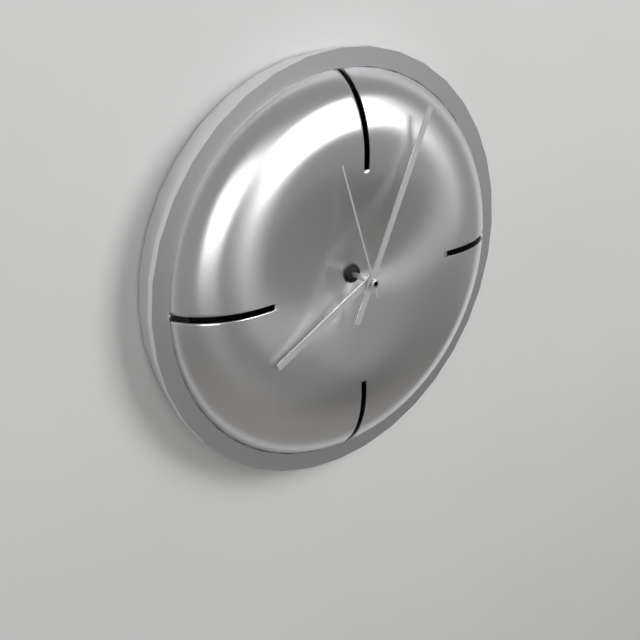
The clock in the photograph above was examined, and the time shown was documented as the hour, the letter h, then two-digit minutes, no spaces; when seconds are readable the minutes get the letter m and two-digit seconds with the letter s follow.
8h04m57s
